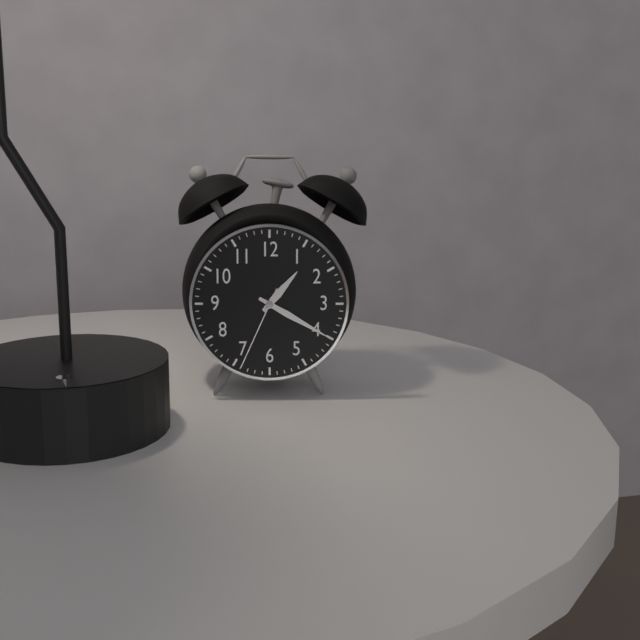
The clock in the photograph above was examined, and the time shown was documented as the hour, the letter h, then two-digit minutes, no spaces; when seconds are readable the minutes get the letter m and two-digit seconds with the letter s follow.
1h20m34s
